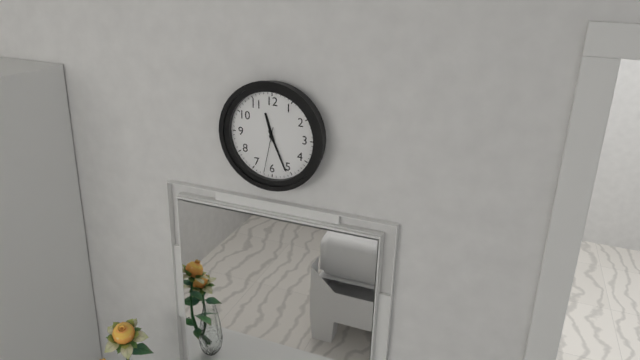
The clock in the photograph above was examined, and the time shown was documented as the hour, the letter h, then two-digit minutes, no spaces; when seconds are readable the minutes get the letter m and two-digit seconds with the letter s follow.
11h26
